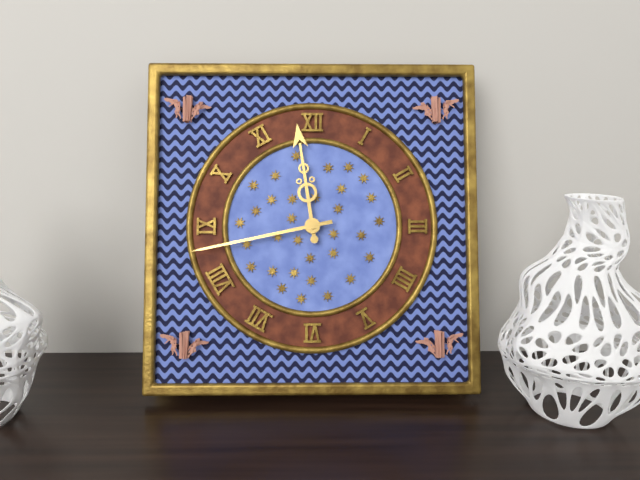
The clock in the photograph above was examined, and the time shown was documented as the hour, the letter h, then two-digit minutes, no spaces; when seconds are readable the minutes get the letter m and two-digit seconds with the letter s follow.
11h43
